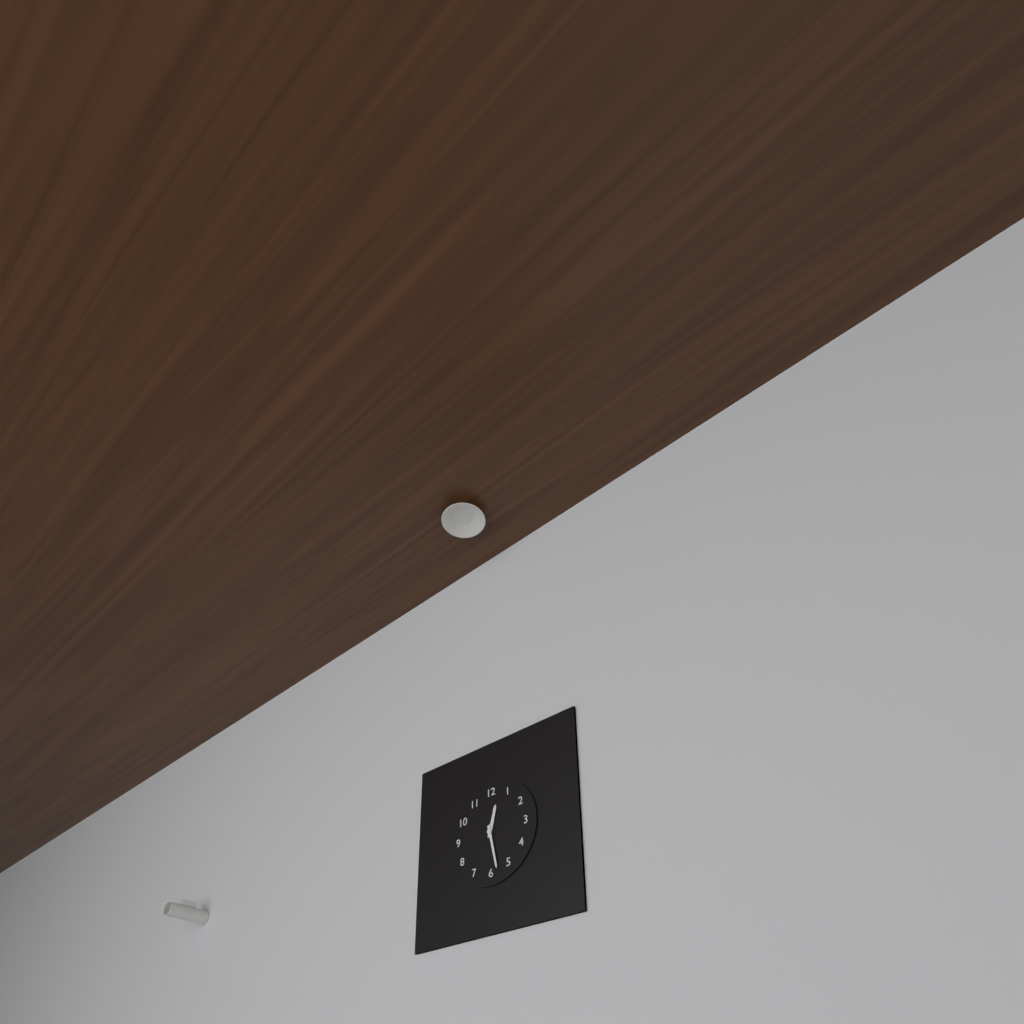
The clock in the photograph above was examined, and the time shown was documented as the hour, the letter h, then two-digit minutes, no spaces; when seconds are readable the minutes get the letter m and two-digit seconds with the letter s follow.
12h28
